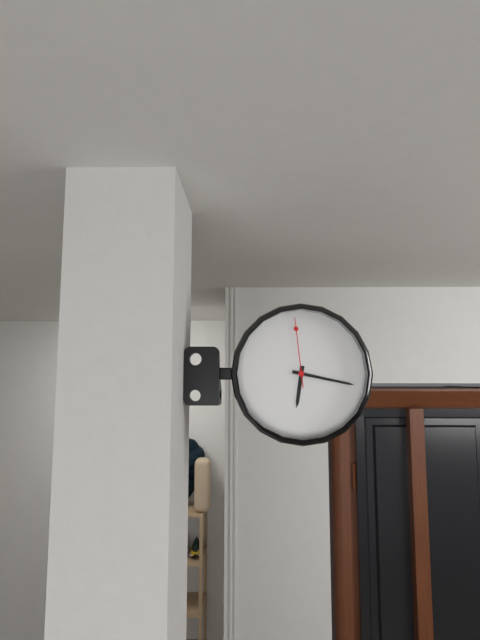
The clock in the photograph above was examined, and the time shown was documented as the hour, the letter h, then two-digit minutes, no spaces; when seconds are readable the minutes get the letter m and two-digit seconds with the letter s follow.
6h17m59s
